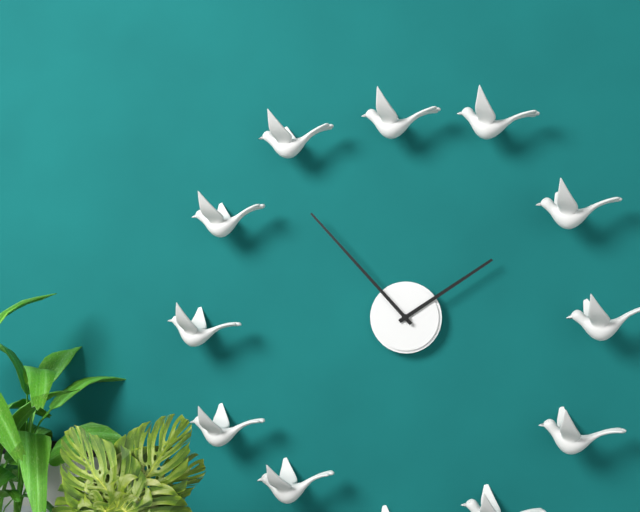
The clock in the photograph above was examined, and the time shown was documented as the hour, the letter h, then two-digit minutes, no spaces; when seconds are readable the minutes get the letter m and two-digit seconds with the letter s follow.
1h53
